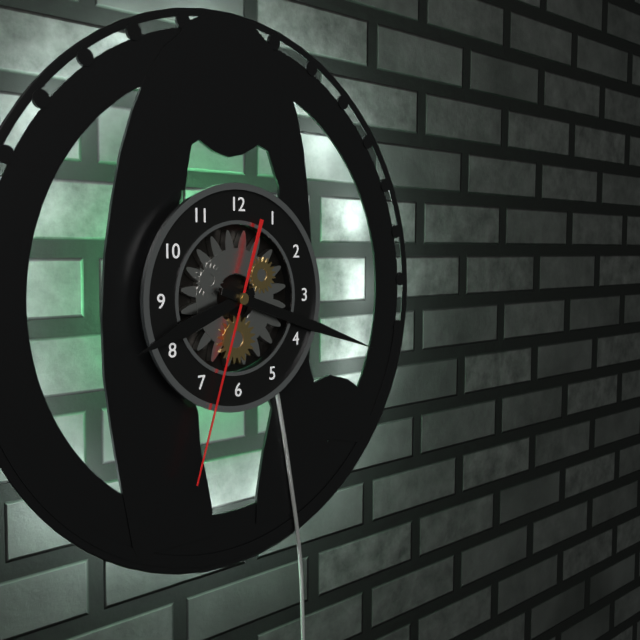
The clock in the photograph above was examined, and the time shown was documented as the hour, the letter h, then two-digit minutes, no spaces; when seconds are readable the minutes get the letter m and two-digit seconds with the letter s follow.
8h18m33s
